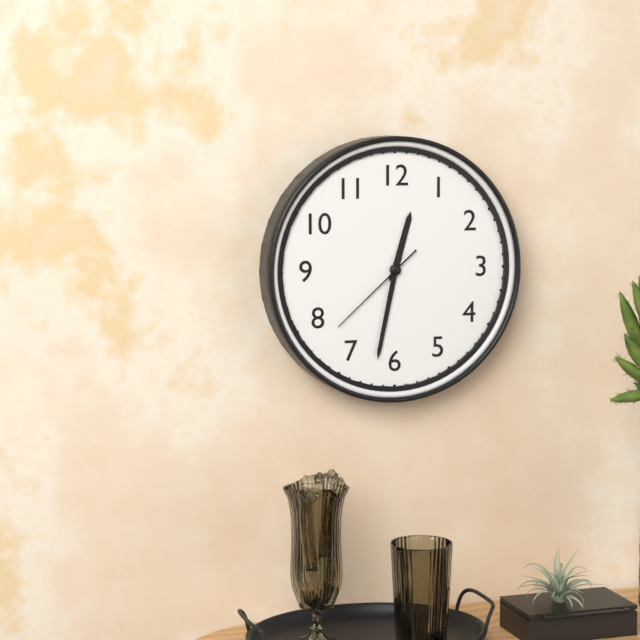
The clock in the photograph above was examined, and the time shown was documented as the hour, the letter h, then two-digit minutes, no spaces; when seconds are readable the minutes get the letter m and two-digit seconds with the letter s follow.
12h32m38s
